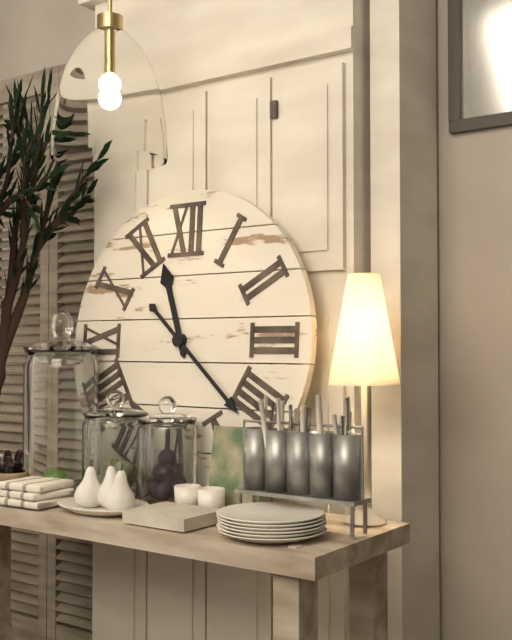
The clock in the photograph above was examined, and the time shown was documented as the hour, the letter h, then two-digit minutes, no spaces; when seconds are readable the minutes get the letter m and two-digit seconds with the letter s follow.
11h22
